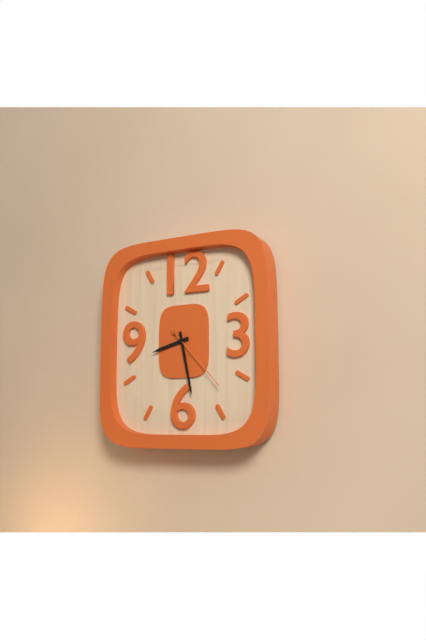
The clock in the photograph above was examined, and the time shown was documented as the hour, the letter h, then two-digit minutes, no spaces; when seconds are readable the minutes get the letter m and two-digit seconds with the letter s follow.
8h28m23s
